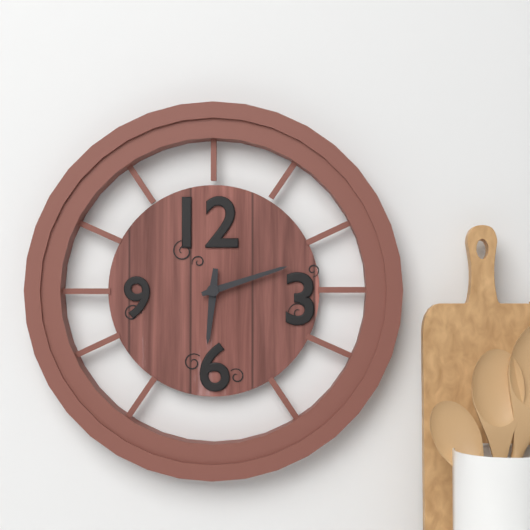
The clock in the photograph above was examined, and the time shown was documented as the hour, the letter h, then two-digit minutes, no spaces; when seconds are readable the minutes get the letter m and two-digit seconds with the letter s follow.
6h12
